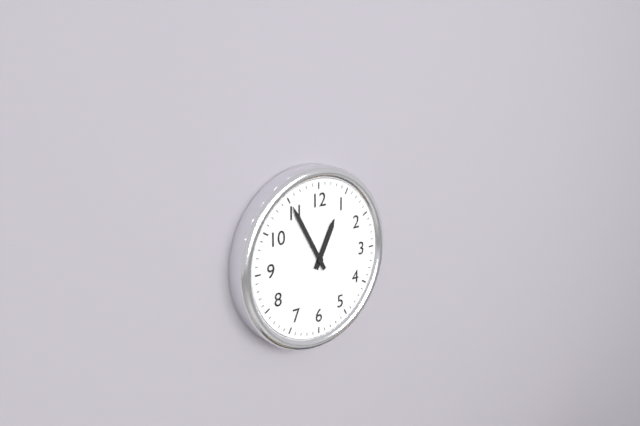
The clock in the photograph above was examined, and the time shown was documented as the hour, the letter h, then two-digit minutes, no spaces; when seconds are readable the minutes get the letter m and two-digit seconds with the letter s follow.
12h55
